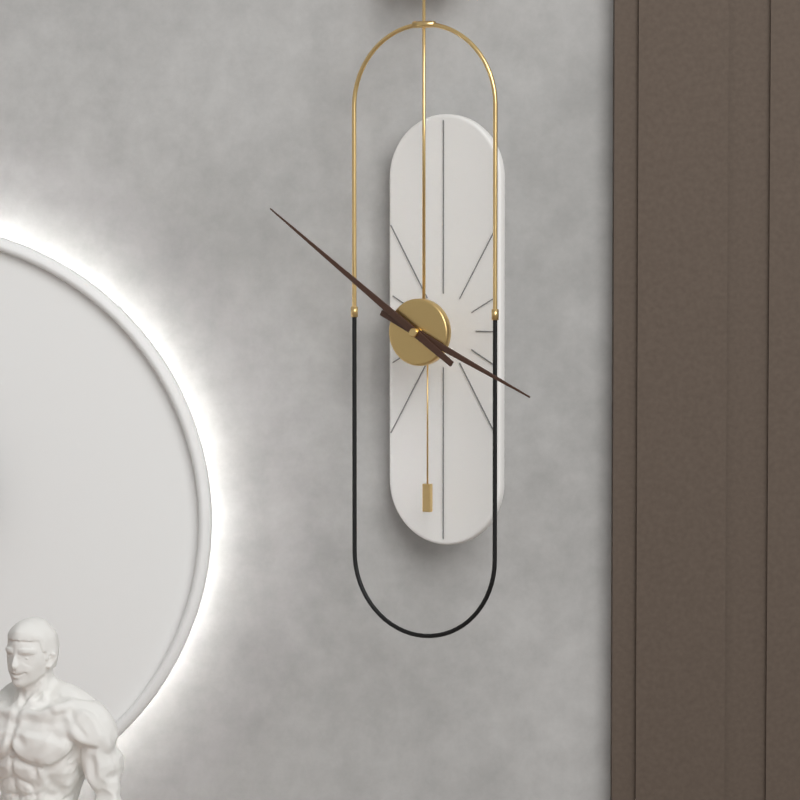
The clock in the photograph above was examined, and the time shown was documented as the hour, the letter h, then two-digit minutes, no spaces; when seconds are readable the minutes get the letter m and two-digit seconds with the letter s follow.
3h51
